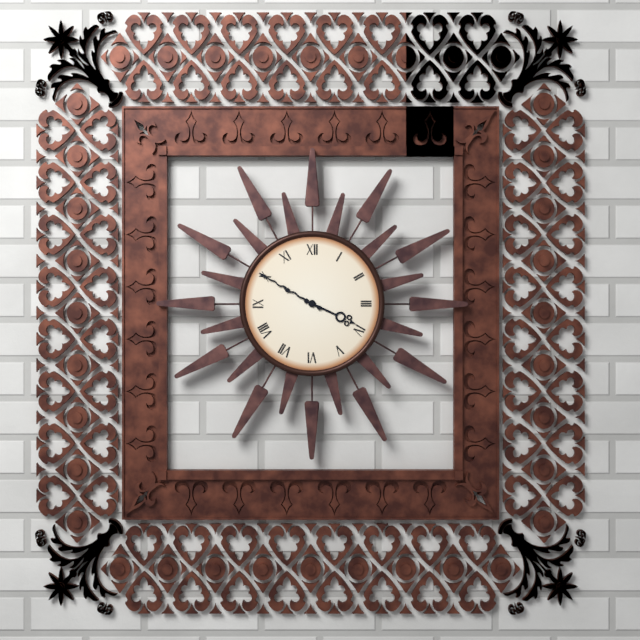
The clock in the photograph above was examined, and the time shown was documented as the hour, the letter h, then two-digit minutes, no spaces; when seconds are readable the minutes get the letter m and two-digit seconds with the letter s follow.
3h50
